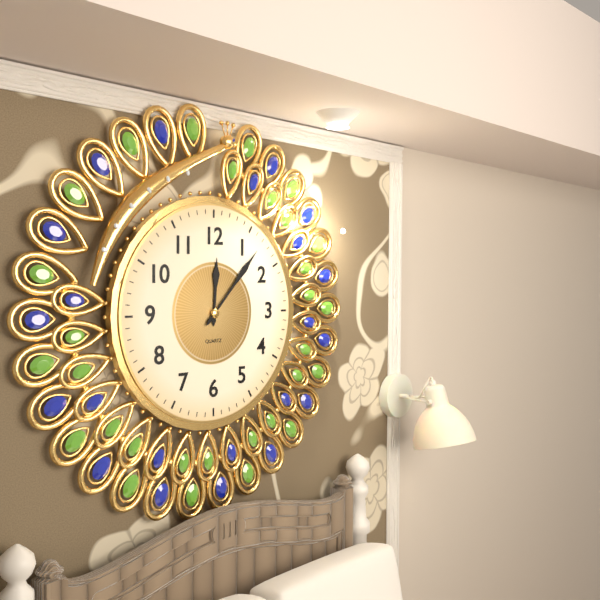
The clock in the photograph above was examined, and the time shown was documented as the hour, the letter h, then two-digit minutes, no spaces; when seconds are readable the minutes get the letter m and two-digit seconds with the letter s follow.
12h07
